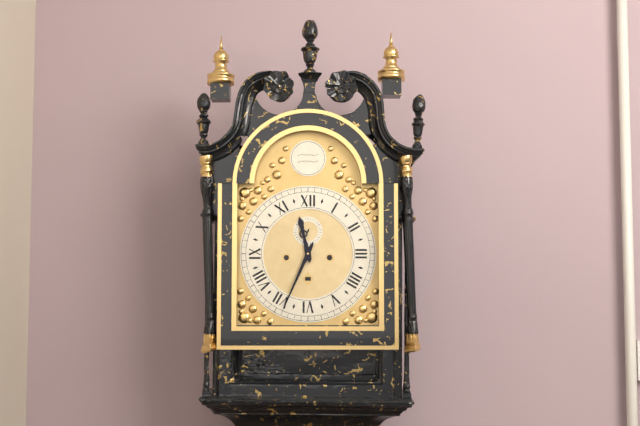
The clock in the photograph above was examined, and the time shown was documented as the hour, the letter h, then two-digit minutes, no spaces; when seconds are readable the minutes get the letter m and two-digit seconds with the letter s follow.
11h34
